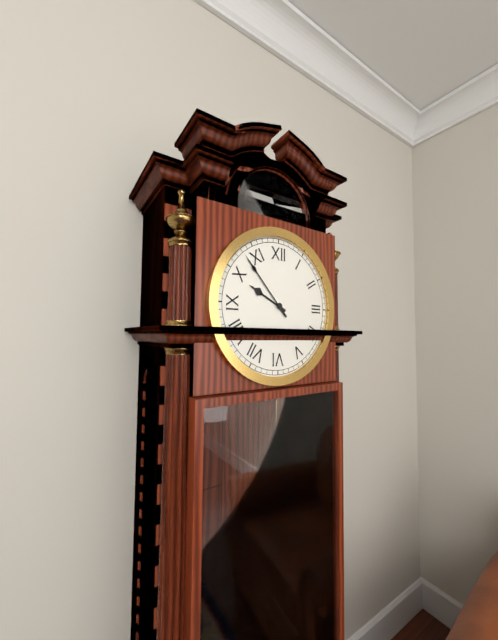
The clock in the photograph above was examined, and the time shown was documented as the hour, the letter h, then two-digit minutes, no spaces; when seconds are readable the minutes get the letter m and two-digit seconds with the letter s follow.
9h53
